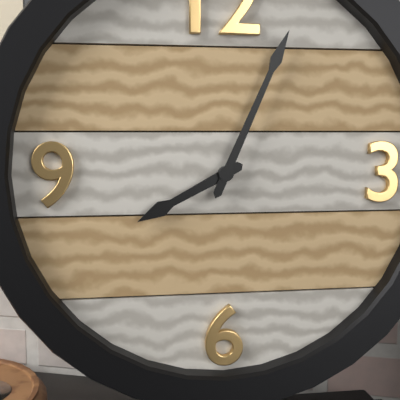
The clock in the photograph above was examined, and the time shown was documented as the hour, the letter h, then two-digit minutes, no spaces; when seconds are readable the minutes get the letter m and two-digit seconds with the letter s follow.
8h04
